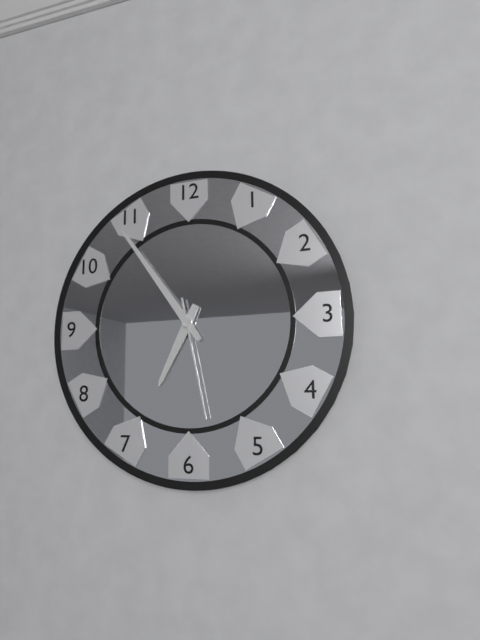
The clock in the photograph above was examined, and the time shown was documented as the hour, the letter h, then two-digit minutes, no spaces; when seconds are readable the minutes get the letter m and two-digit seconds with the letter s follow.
6h54m28s
